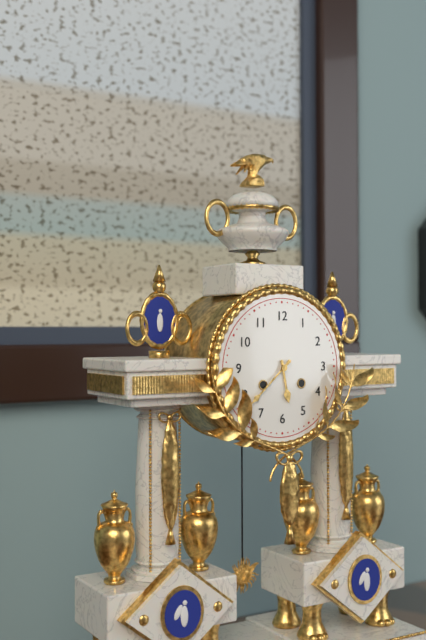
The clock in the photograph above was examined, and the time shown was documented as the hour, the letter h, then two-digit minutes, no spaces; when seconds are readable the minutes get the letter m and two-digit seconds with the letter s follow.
5h38
